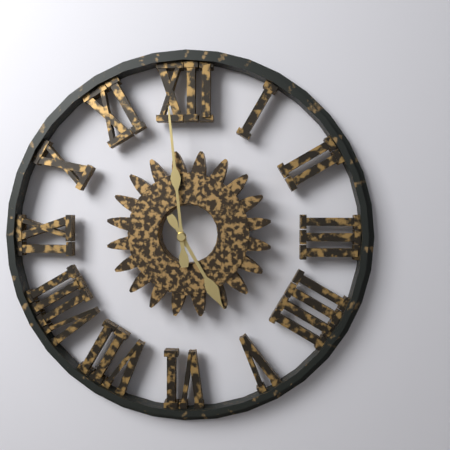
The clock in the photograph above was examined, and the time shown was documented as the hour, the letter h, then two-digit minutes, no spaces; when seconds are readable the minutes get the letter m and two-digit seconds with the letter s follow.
4h59
